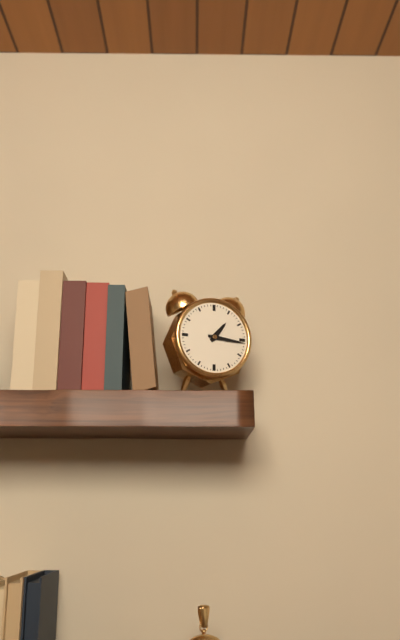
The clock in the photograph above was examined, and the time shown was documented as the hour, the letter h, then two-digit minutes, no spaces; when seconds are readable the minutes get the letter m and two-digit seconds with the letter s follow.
1h16
